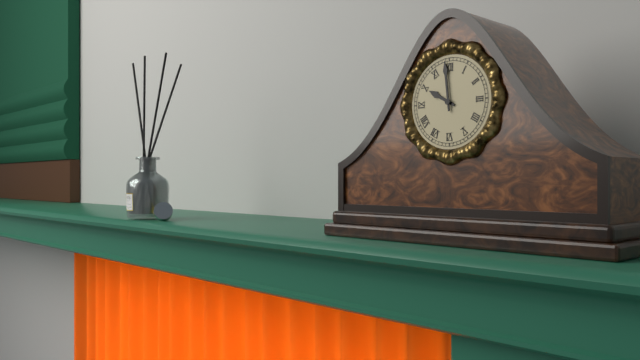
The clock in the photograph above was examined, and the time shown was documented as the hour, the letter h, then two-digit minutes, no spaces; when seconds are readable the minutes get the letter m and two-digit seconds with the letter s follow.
9h59
